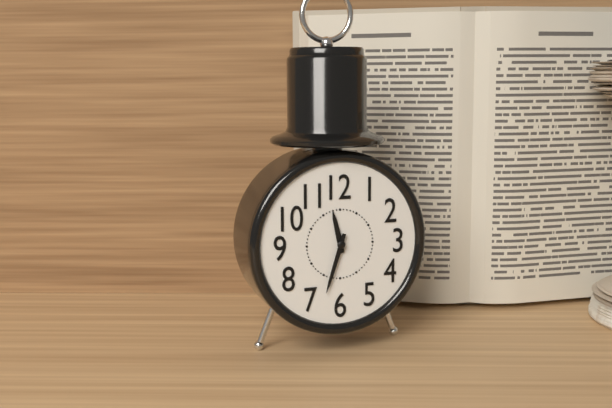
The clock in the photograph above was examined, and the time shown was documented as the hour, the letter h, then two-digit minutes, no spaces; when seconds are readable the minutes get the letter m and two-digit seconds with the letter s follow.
11h33
